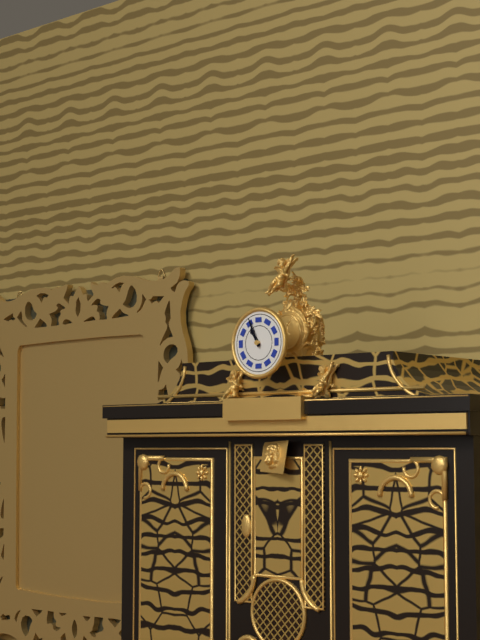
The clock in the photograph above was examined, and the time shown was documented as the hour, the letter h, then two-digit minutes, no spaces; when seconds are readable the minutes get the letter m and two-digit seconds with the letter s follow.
10h56
